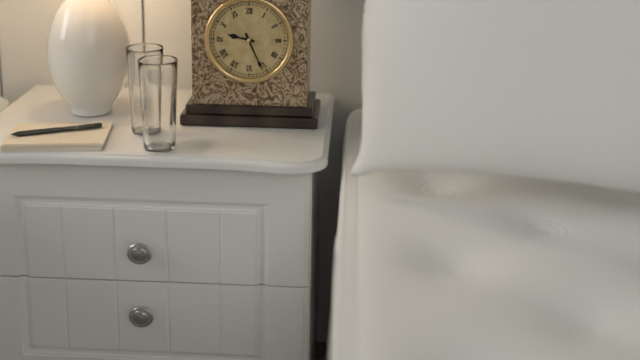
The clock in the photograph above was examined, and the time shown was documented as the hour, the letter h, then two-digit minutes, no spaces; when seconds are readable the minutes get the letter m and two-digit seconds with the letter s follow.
9h26
